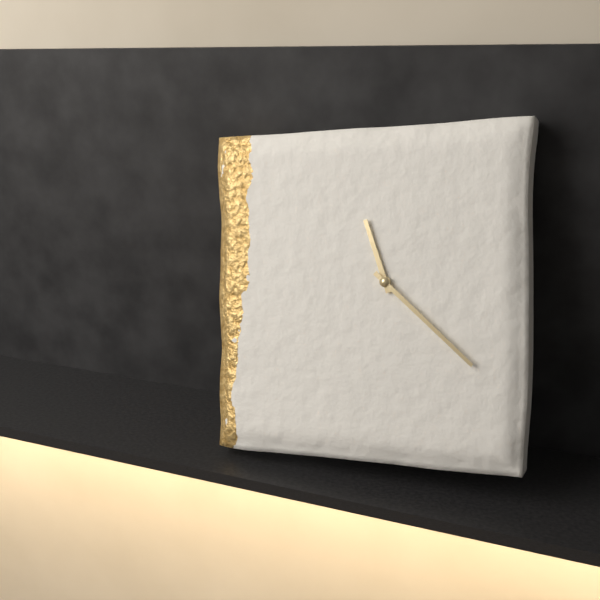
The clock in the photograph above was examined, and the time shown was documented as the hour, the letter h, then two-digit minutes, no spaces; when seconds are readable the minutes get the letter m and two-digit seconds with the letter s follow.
11h22
